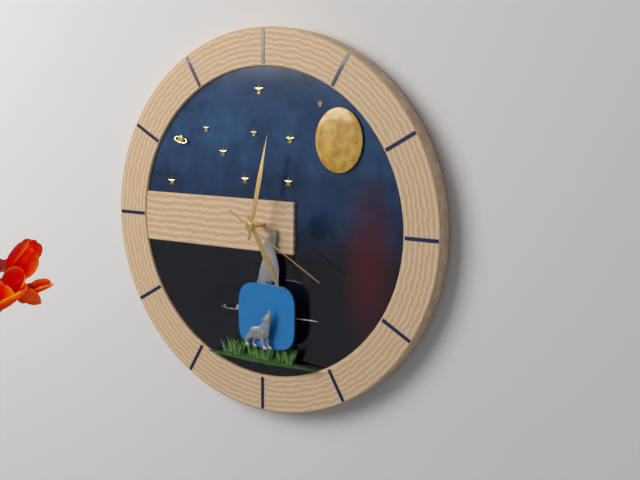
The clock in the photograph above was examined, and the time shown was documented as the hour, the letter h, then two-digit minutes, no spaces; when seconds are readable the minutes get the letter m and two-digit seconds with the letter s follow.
5h02m20s
